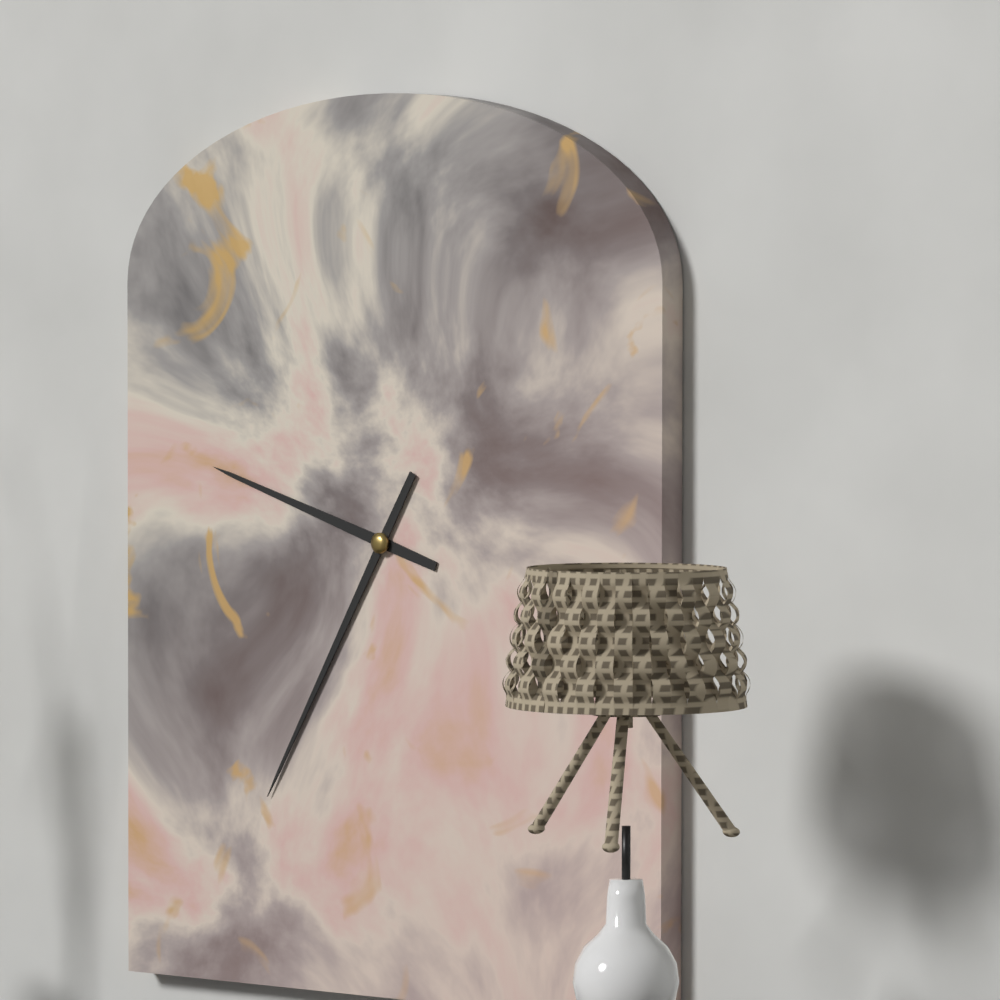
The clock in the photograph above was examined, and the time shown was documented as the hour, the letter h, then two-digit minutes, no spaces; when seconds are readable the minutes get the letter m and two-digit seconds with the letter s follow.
9h35
